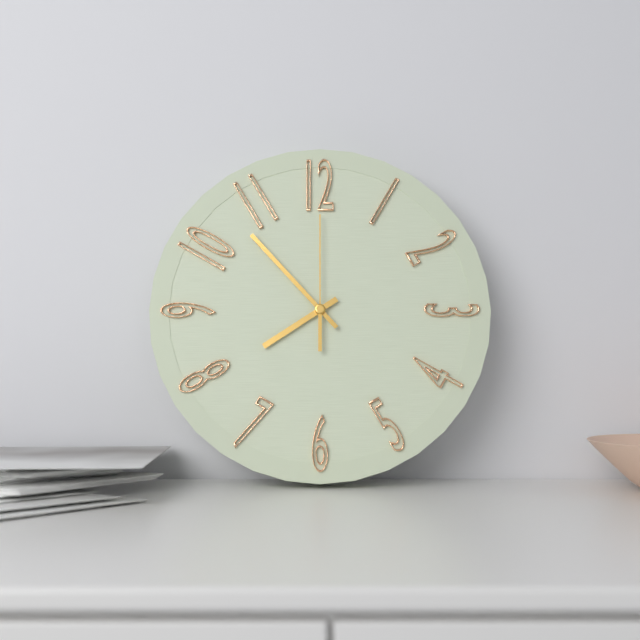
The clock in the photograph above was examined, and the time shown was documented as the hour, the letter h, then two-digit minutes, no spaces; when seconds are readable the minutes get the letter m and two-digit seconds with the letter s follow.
7h53m00s
